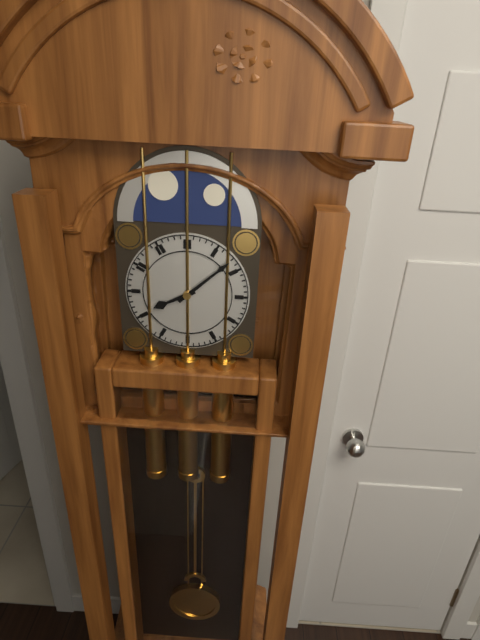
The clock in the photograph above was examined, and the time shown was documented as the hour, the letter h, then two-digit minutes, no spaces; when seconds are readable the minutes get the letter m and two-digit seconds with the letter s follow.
8h08
